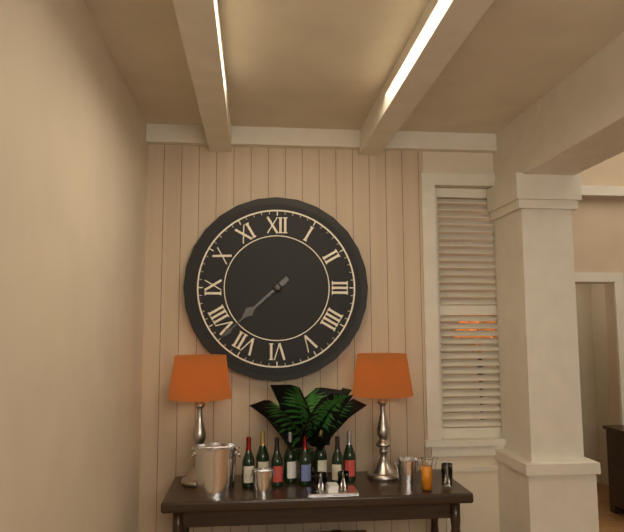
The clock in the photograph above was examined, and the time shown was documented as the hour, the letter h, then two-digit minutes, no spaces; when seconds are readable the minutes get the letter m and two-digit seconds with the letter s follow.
7h38
